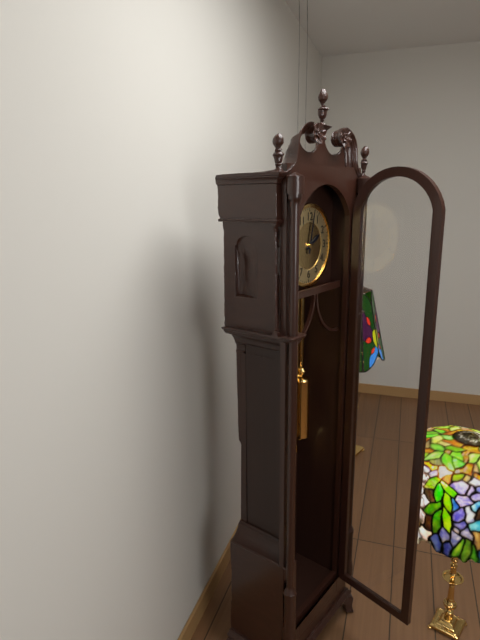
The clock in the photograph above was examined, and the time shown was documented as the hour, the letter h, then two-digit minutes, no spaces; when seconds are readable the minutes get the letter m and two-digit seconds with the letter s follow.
2h02
